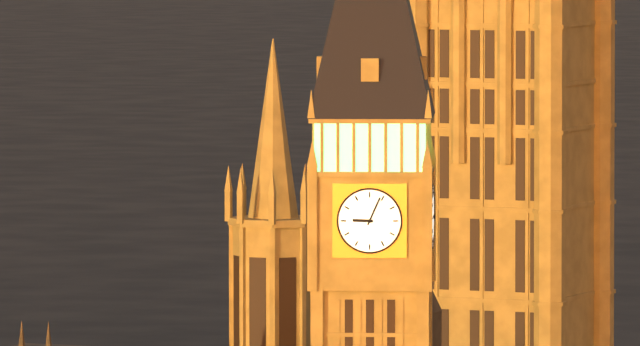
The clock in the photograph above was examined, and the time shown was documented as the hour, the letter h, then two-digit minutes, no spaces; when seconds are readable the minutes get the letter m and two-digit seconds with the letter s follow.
9h04
